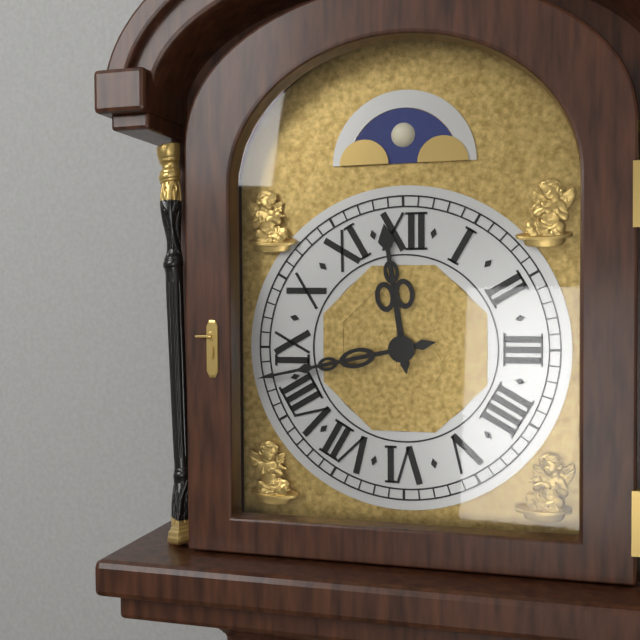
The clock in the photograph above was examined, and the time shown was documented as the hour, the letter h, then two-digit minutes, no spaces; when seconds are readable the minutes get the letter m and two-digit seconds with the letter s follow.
11h43
